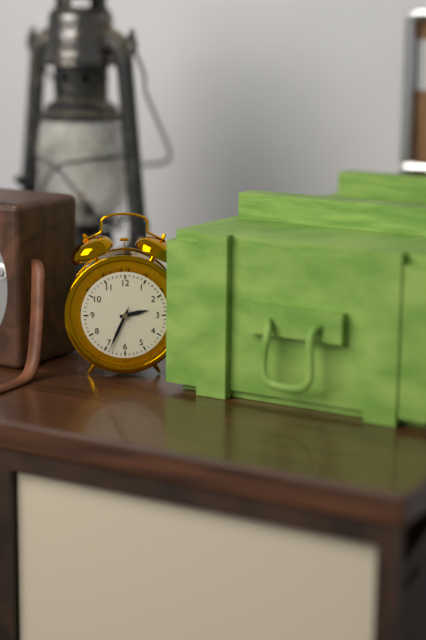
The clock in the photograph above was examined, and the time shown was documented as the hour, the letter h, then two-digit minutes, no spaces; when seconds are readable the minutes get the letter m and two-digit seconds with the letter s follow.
2h34
